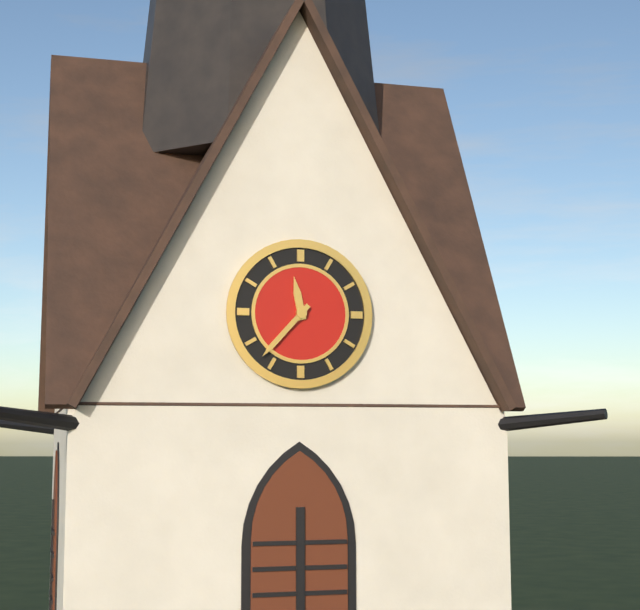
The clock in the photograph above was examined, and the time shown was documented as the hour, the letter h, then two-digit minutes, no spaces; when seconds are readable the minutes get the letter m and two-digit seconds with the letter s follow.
11h37
